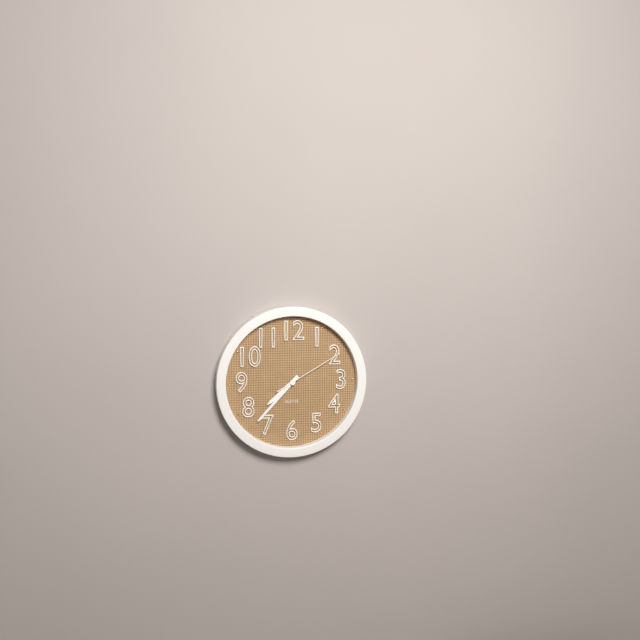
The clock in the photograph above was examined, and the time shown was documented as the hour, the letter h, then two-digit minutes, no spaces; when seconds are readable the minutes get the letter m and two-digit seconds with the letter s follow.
7h37m10s
